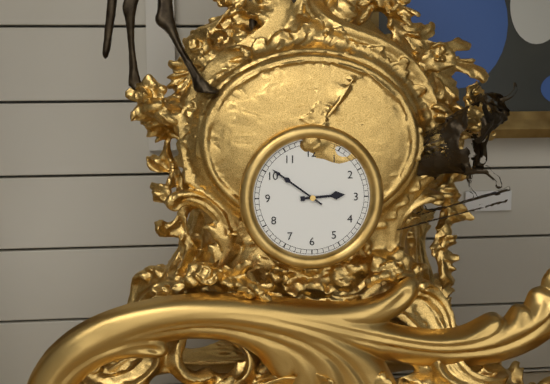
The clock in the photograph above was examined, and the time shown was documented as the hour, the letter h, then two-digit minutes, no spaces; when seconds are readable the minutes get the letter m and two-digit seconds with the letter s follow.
2h51
